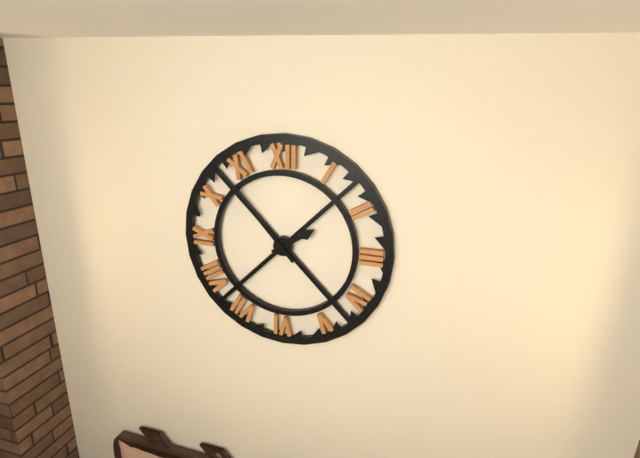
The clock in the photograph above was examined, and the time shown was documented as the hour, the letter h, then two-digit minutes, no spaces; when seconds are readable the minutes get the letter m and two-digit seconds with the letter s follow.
1h53
